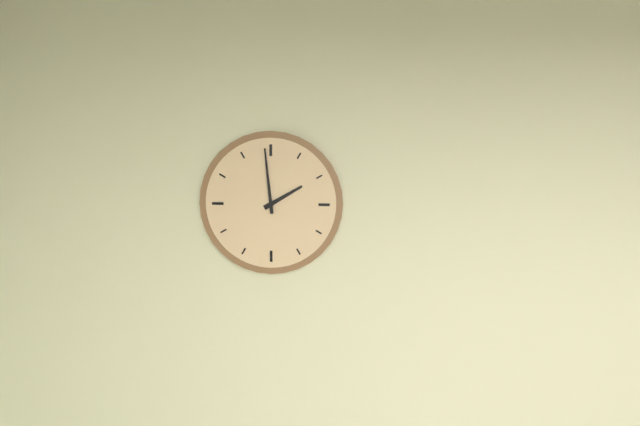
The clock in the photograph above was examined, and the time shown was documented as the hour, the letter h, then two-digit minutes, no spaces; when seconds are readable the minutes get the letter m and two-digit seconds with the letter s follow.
1h59
